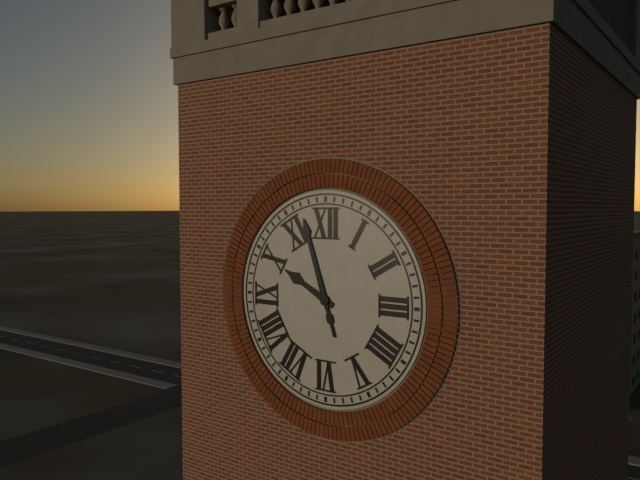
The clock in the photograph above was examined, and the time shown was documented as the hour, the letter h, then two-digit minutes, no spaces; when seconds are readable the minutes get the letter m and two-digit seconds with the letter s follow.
9h57
